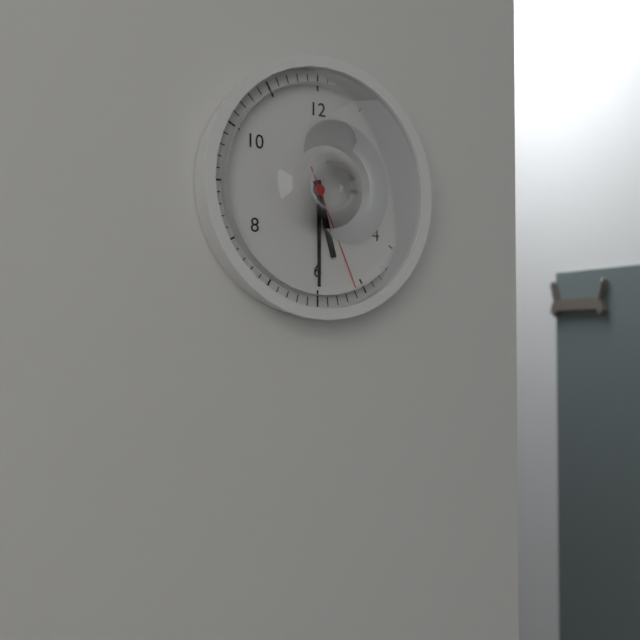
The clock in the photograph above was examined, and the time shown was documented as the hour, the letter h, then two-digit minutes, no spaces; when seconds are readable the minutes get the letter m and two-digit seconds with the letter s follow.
5h30m26s
